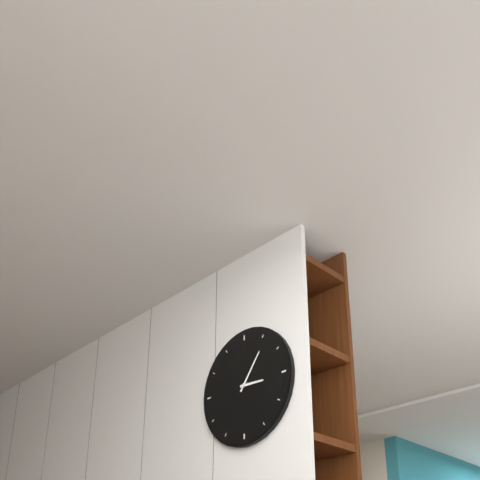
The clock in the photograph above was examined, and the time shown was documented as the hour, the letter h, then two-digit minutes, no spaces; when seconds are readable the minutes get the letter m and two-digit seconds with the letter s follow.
3h06
